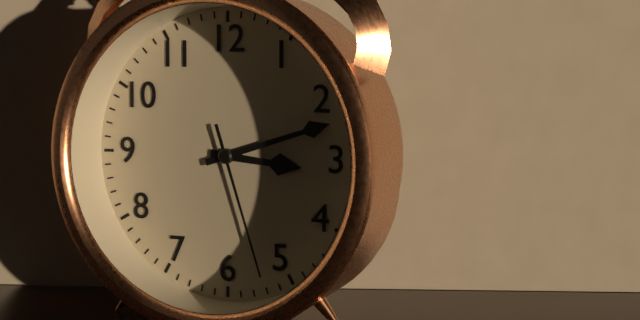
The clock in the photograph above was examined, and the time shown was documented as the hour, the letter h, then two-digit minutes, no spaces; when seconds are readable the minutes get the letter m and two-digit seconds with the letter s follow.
3h12m27s
